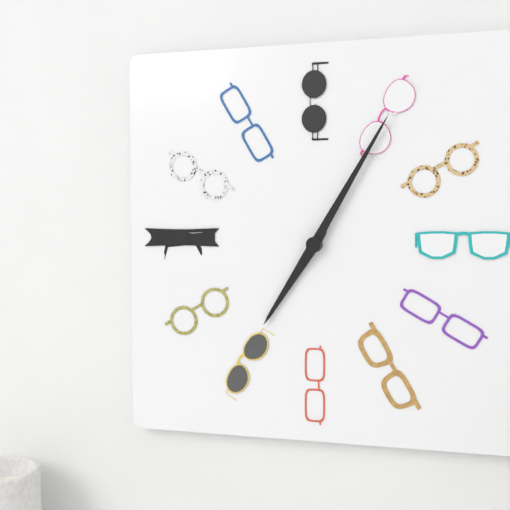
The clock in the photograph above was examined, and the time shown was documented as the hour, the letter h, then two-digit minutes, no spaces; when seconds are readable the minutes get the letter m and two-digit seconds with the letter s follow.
7h05
